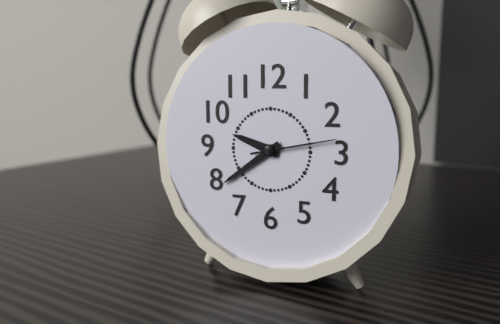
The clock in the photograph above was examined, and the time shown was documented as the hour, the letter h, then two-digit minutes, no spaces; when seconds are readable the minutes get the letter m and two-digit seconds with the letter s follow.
9h39m13s
